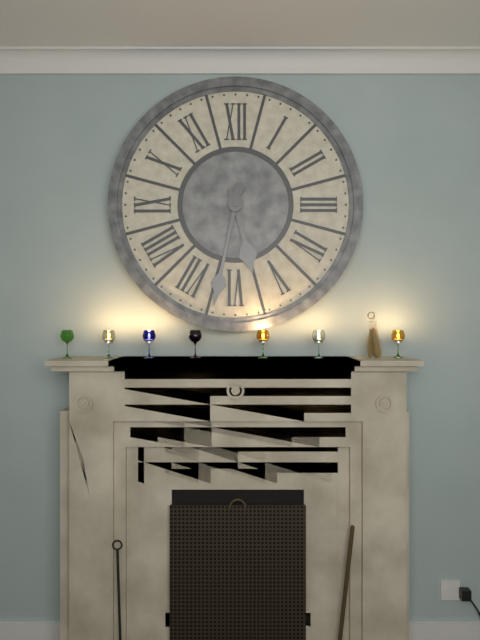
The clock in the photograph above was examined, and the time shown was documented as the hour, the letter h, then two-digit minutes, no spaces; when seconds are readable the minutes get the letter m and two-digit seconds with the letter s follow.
5h32
